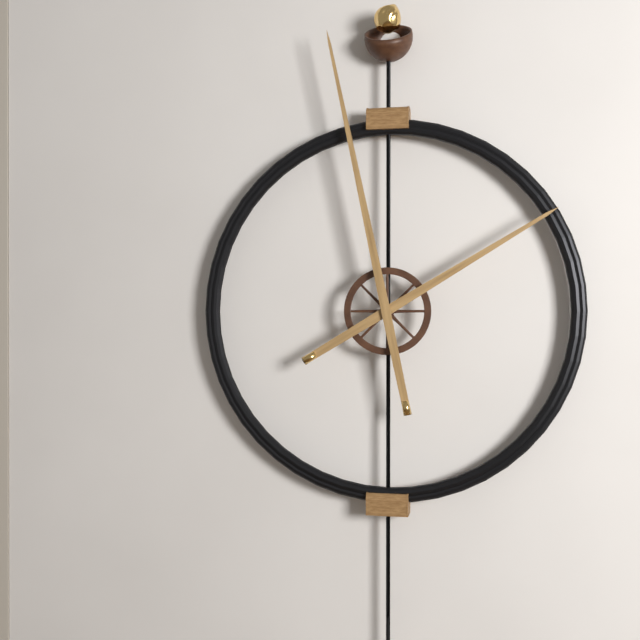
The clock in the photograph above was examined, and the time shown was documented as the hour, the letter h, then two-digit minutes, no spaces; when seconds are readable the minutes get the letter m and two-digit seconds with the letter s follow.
1h58
